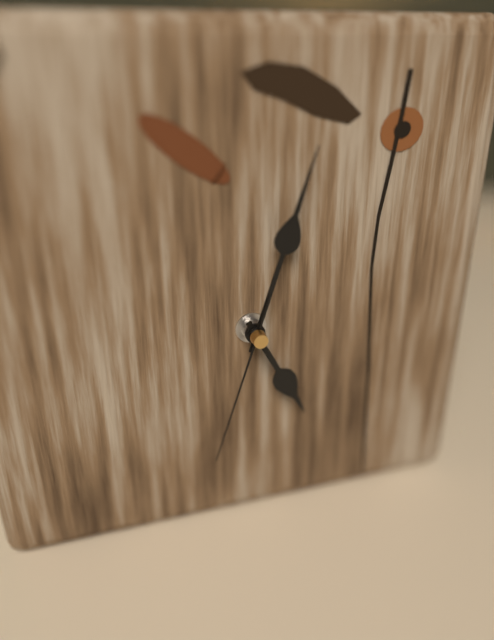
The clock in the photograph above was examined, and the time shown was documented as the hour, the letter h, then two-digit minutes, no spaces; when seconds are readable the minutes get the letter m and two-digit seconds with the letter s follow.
5h03m33s
